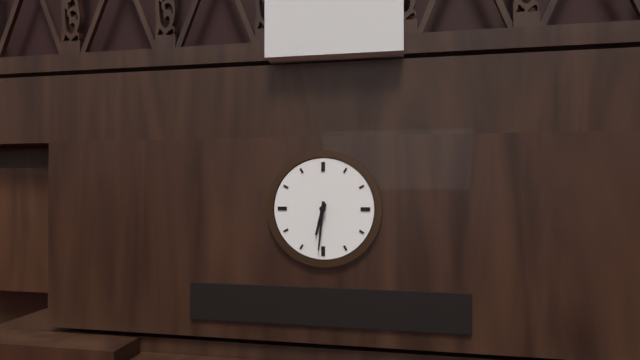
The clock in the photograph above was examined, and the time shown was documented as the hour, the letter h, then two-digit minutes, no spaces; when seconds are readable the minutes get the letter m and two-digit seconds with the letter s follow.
6h31
